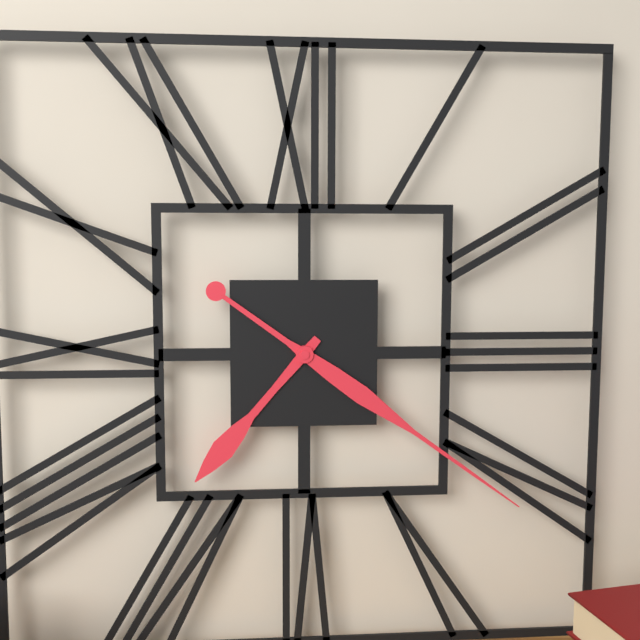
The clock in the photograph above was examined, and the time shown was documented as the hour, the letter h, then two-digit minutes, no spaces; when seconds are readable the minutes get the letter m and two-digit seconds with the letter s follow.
7h21
